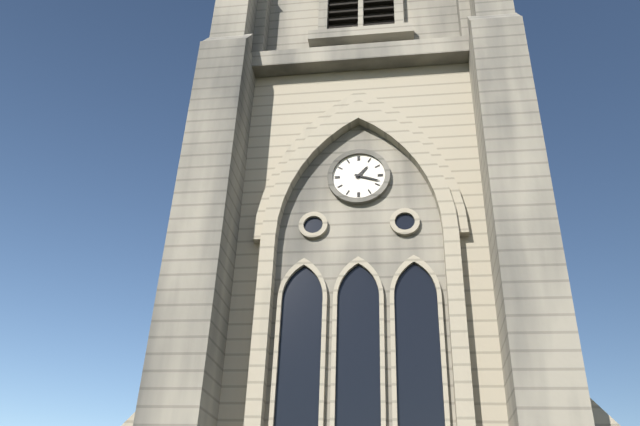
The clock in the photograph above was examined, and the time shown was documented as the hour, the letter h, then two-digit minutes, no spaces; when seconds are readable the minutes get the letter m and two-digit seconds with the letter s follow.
1h18
